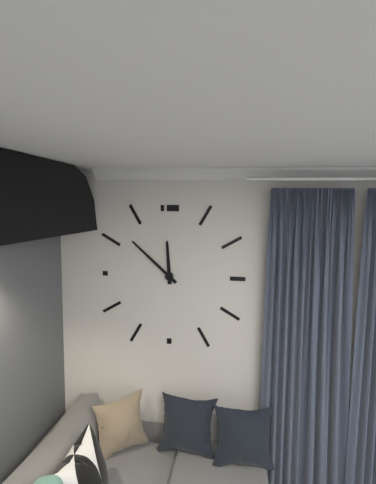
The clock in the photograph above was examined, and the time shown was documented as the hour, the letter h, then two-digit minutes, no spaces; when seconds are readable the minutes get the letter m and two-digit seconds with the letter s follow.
11h52
